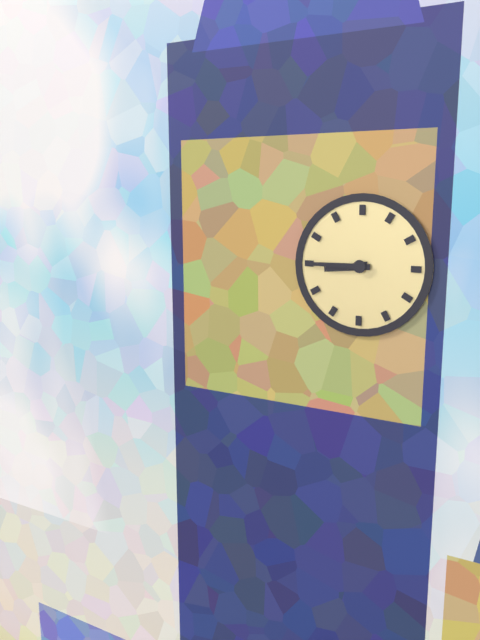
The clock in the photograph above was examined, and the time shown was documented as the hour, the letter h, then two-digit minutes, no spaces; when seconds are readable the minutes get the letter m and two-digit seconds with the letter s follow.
8h45
